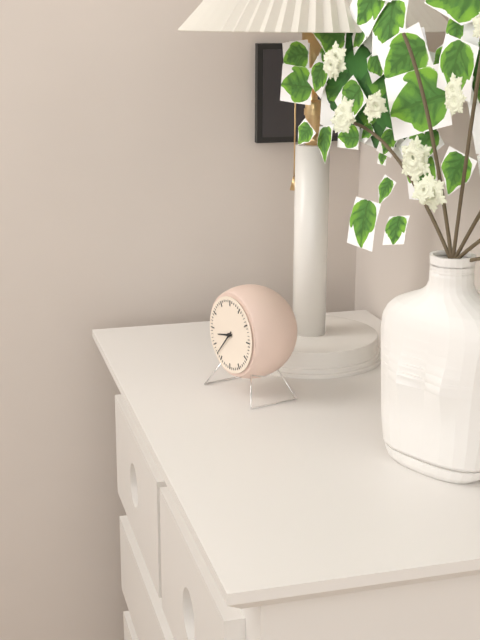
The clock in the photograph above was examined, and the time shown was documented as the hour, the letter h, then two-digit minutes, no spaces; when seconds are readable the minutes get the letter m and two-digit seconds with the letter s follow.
8h37
